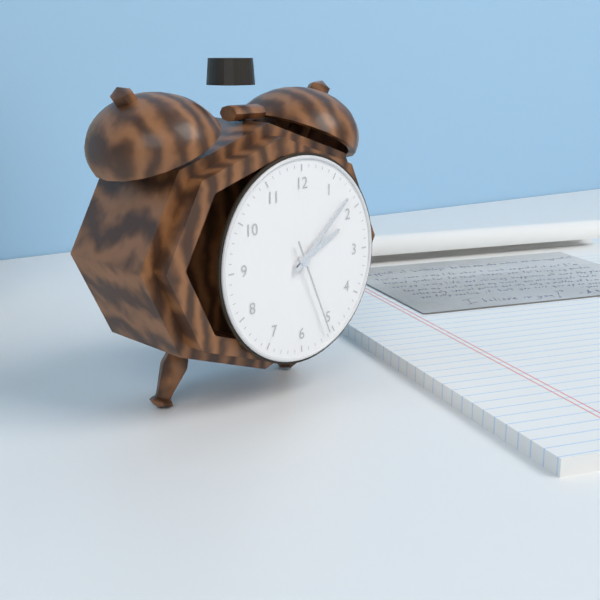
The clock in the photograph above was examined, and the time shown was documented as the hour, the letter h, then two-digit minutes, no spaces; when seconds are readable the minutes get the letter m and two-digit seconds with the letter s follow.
2h08m26s
